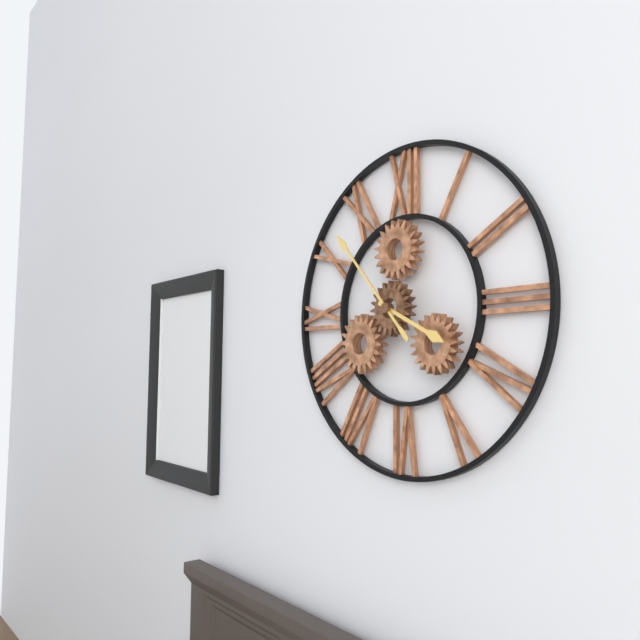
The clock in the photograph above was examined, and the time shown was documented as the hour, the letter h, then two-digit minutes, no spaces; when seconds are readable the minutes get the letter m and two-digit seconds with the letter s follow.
3h53
